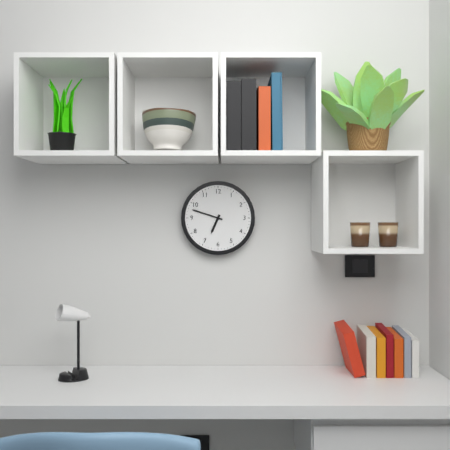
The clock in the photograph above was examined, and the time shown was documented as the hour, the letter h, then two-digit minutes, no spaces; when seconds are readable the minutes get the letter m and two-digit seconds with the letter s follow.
6h48
